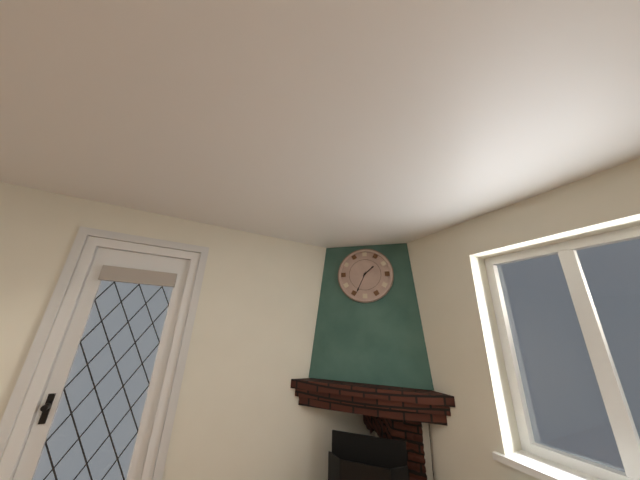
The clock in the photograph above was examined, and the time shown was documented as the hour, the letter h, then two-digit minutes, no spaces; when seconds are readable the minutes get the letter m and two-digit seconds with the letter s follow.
1h34
